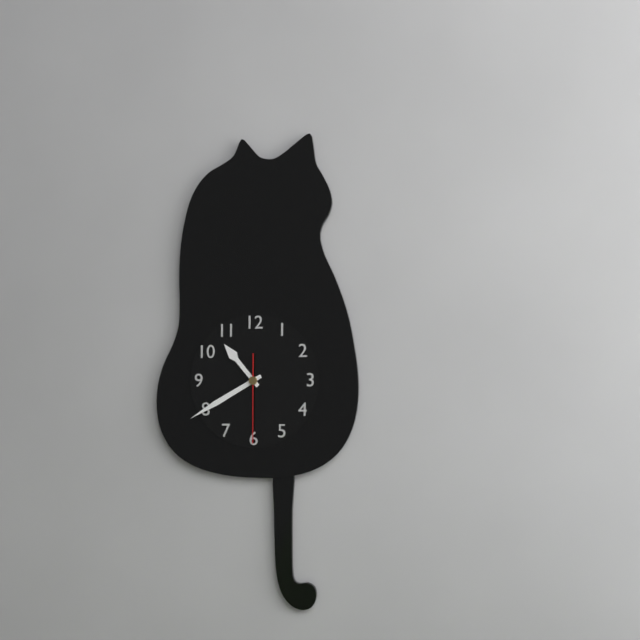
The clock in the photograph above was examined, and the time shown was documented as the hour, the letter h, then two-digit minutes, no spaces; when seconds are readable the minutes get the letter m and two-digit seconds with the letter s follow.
10h40m30s
